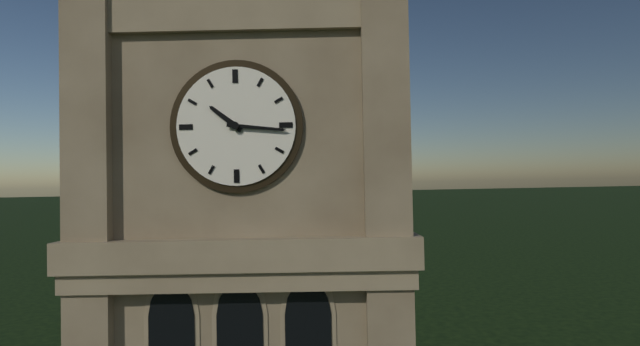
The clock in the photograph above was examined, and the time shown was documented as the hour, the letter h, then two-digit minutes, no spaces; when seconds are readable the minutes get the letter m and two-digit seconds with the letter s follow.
10h16
